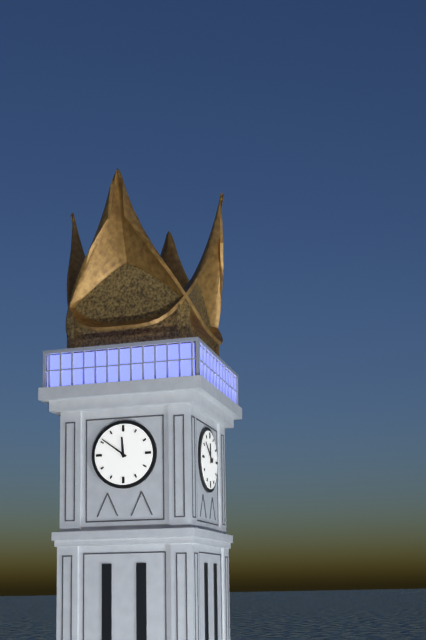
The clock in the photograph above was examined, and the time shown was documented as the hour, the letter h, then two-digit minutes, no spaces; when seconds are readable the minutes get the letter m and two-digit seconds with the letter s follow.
11h51
